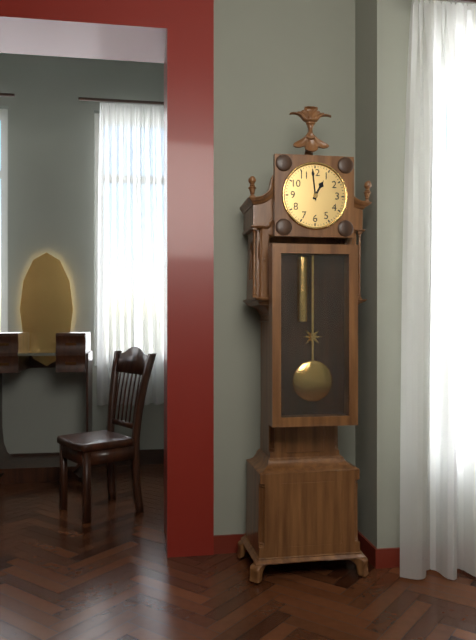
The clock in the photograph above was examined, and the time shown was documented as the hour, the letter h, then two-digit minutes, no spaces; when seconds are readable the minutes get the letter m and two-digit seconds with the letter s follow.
12h59
